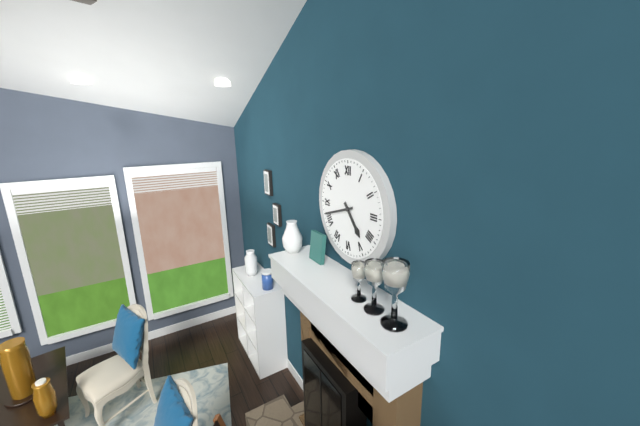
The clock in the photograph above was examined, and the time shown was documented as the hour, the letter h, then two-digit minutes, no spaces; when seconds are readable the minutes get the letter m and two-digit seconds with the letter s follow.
4h42
